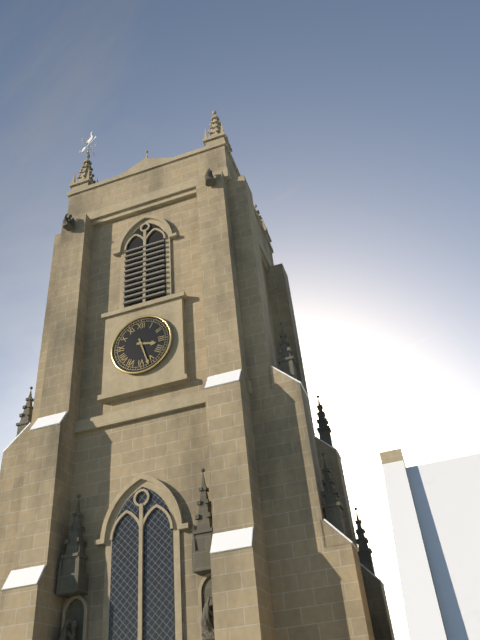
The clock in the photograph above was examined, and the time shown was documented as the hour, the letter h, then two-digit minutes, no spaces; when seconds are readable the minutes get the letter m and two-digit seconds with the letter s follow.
3h27
